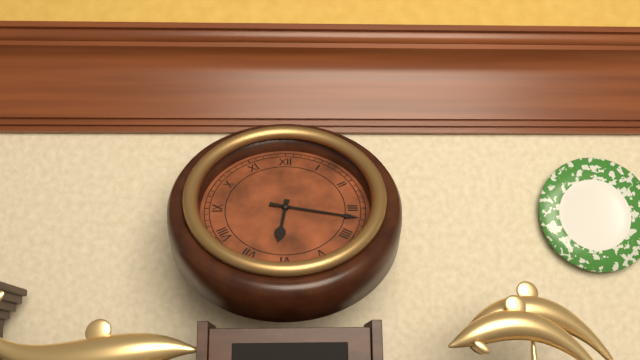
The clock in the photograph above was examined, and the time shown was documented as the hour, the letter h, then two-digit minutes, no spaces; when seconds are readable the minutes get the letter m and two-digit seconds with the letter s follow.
6h17
